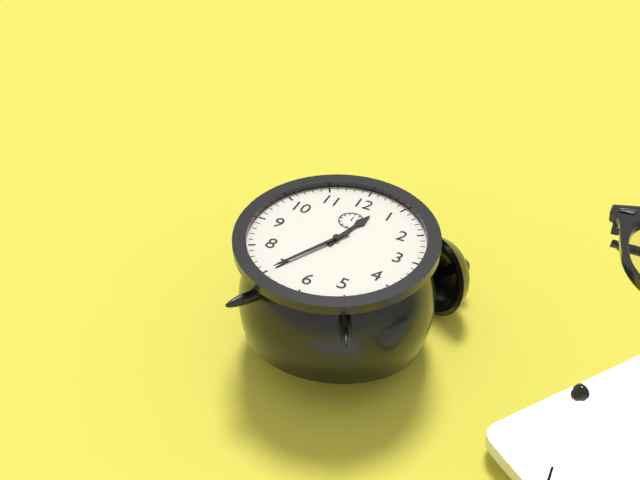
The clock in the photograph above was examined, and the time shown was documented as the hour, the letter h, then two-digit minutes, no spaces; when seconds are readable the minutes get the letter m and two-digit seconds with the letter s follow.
12h35
